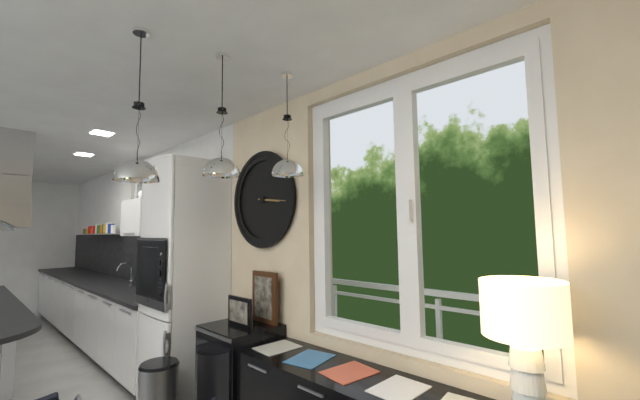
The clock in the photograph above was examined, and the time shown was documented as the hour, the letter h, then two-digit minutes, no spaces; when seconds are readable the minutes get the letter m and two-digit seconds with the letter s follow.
3h16
